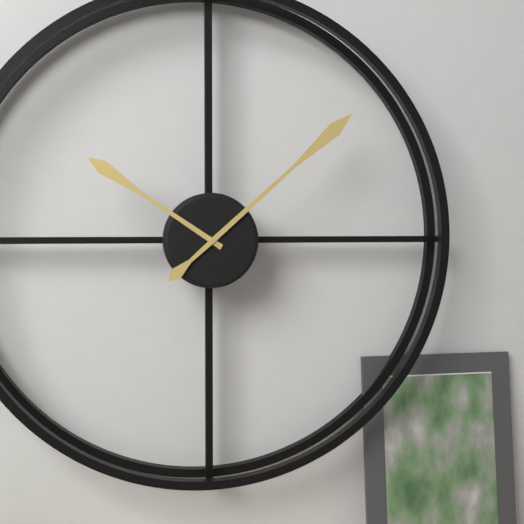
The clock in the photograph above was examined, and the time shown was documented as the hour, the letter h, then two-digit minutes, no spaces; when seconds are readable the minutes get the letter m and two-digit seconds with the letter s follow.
10h08
